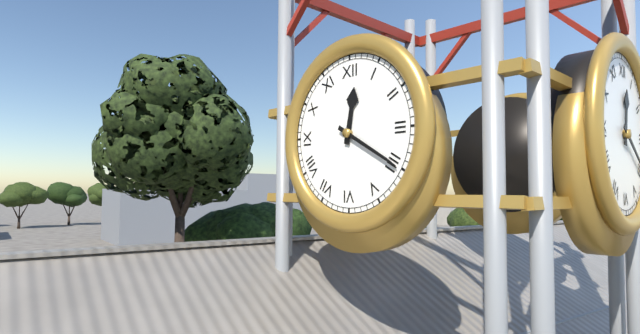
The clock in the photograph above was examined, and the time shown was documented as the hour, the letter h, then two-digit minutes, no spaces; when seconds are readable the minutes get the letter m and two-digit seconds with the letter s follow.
12h20
